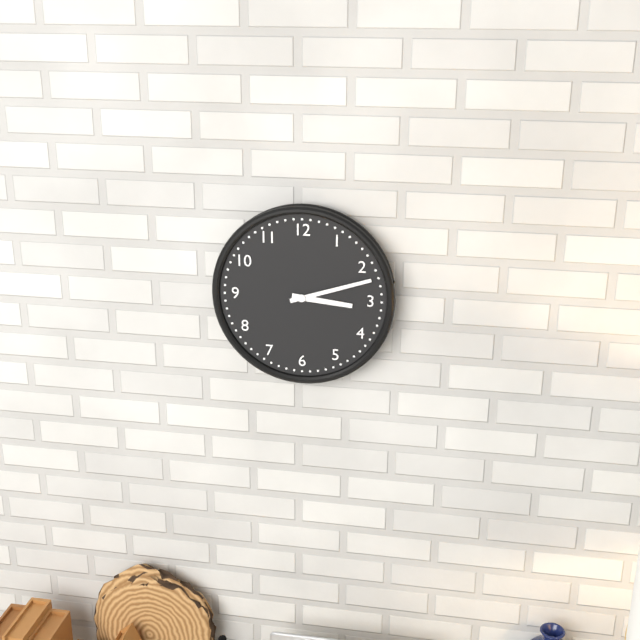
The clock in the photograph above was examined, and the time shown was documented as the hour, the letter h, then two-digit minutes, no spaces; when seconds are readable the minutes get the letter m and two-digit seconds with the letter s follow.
3h12
